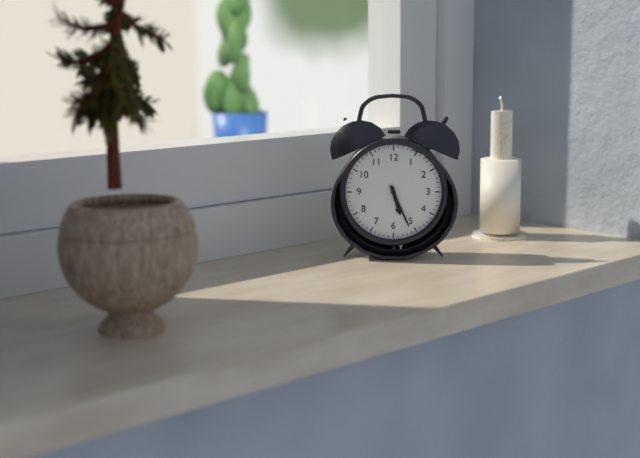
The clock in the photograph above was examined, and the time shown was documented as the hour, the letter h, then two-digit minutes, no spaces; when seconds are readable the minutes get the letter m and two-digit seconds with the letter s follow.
5h26
